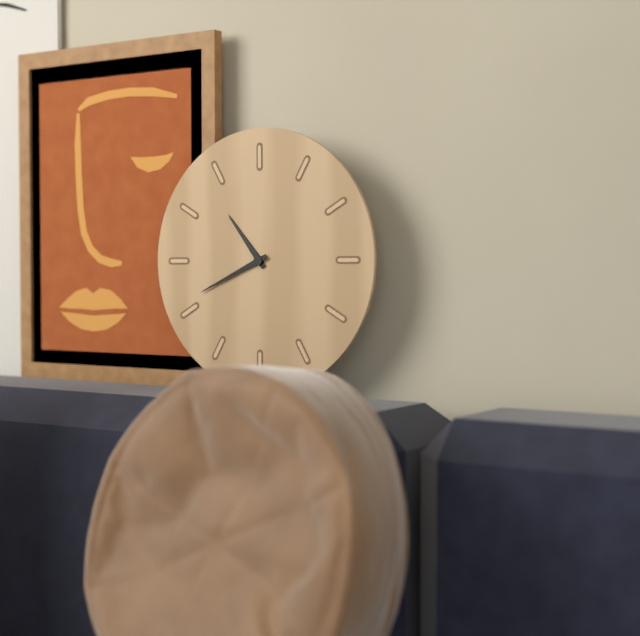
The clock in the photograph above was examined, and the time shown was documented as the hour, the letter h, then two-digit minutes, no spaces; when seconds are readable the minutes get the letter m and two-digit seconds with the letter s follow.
10h41
